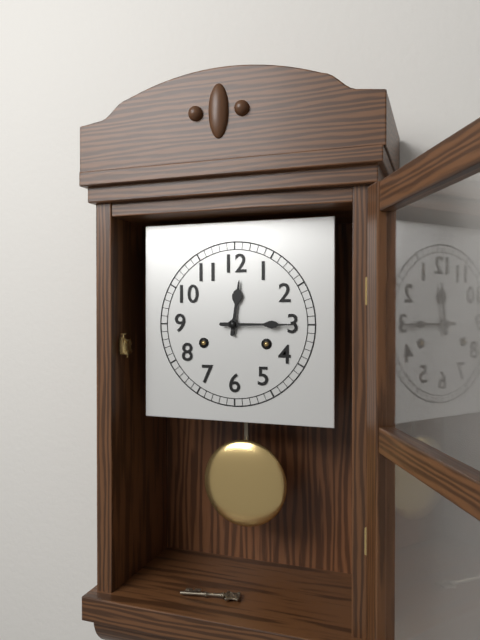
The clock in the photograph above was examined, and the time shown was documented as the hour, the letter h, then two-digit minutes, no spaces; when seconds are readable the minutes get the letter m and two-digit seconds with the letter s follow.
12h15
